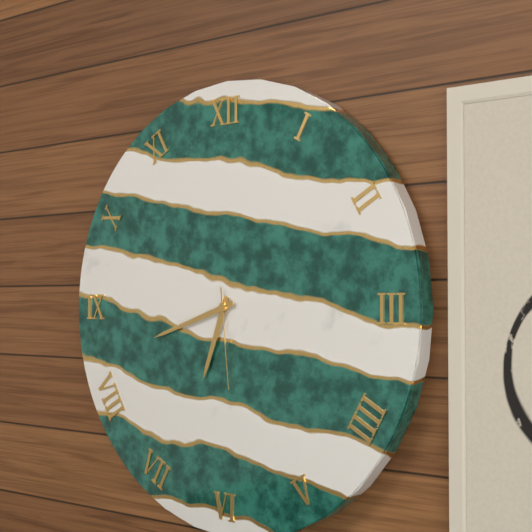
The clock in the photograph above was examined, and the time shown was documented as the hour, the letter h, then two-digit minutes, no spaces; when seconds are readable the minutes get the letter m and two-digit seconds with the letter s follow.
6h42m29s
